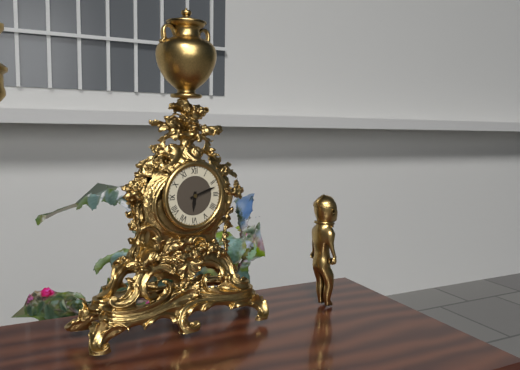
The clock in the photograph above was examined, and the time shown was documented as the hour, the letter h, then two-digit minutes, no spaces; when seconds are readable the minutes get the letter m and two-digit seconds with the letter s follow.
6h12
